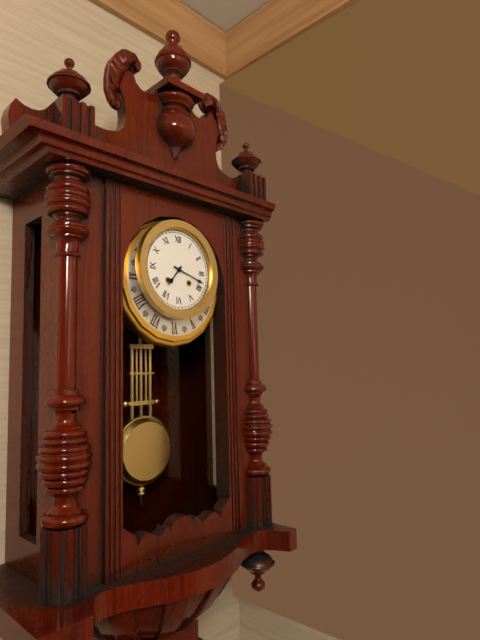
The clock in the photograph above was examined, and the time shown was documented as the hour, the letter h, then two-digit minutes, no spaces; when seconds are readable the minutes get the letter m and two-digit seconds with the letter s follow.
7h18
